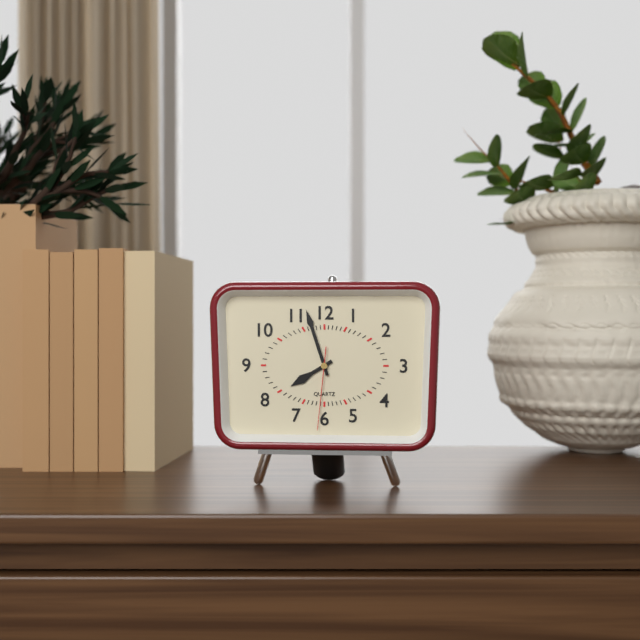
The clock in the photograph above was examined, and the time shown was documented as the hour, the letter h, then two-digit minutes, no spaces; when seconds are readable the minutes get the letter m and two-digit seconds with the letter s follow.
7h57m31s
